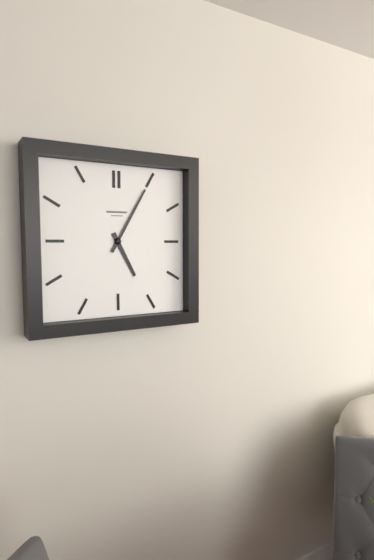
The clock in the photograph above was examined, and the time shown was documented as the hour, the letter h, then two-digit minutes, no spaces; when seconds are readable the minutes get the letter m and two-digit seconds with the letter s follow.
5h05
